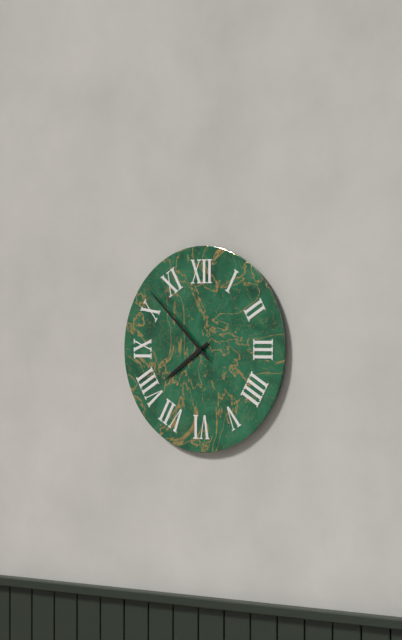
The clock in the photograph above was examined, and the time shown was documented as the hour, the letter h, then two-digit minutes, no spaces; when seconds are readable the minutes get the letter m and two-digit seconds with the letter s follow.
7h52
